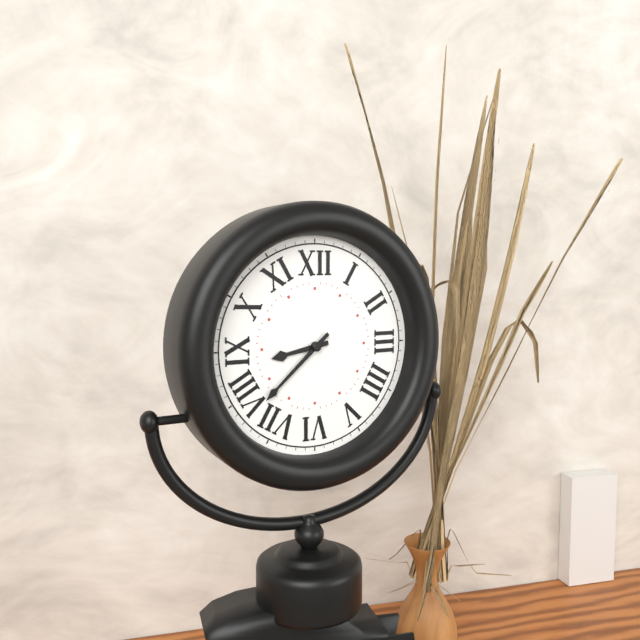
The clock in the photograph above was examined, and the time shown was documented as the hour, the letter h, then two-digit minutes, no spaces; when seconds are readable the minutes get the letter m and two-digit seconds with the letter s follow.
8h38
